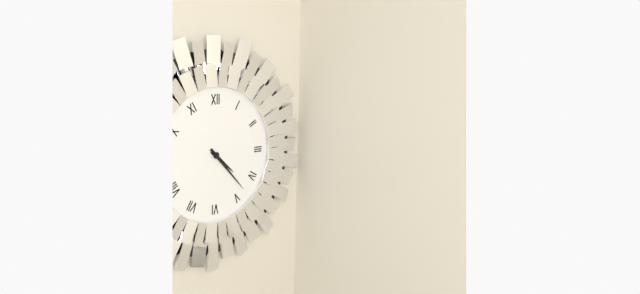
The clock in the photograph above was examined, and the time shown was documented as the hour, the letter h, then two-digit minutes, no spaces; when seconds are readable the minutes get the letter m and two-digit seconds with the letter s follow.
4h23
